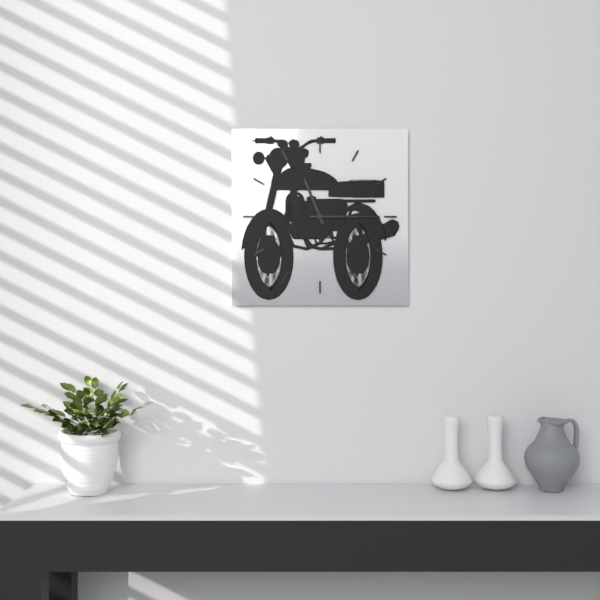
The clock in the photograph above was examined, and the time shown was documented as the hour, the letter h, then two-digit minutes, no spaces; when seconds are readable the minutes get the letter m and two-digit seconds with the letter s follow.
11h15
